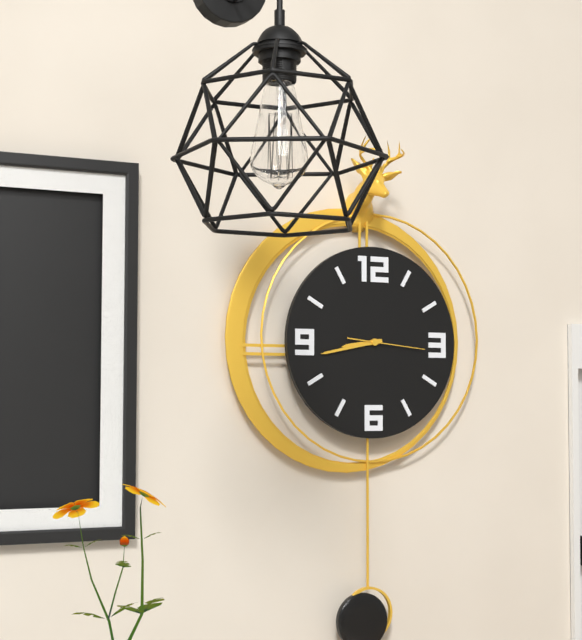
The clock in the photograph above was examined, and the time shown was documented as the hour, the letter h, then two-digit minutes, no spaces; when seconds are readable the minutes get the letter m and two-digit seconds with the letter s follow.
8h43m16s
